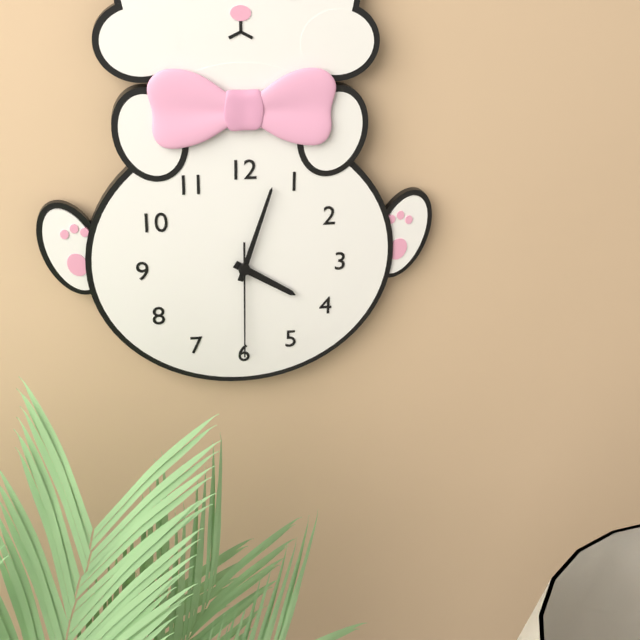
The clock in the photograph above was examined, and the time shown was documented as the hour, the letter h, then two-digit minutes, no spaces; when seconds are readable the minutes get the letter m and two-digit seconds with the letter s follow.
4h03m30s
